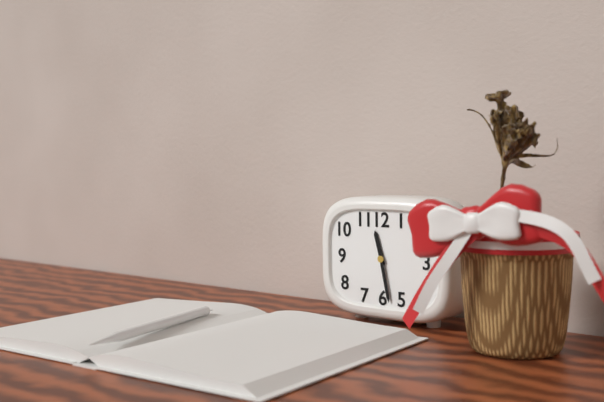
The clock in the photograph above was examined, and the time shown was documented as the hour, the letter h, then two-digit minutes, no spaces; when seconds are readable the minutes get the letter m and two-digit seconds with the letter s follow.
11h28
